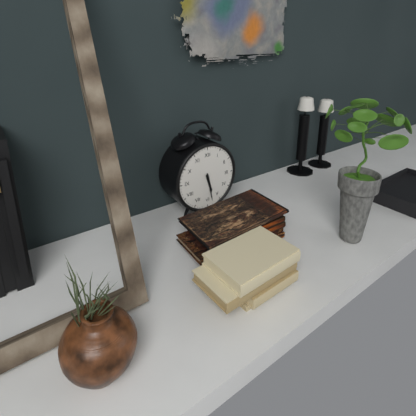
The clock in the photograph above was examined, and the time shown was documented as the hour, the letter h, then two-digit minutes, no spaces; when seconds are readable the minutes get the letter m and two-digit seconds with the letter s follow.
5h28
